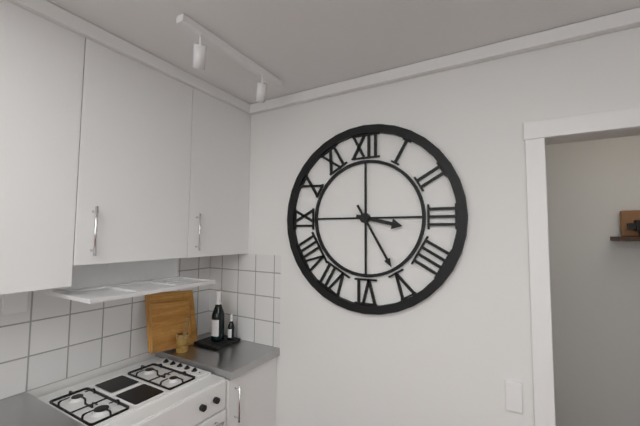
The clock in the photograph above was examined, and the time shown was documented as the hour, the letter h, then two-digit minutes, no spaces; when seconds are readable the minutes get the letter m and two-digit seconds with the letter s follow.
3h25
